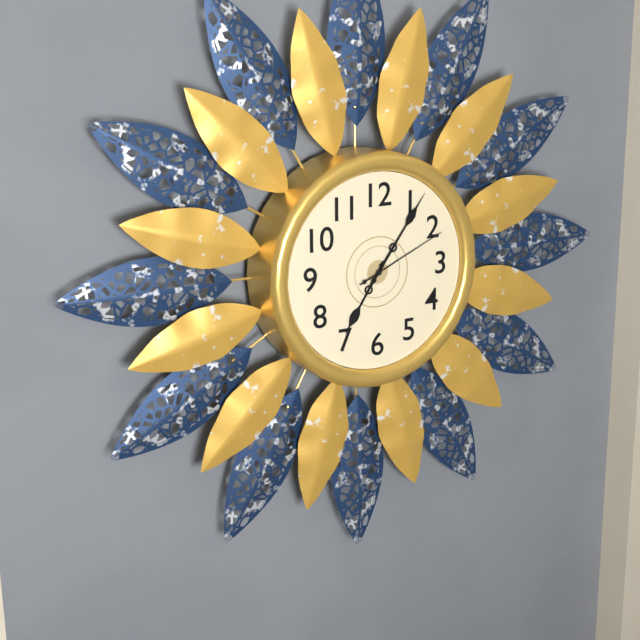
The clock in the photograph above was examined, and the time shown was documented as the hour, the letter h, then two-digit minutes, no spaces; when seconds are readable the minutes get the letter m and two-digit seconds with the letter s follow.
7h06m11s
